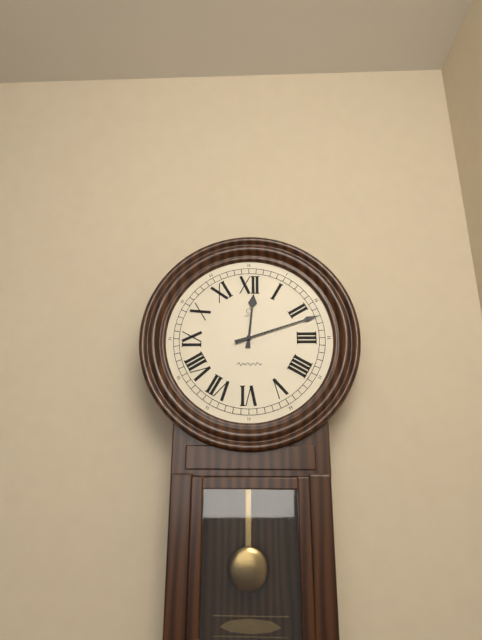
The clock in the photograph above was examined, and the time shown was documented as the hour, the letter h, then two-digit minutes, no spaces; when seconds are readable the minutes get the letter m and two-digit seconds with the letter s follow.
12h12
